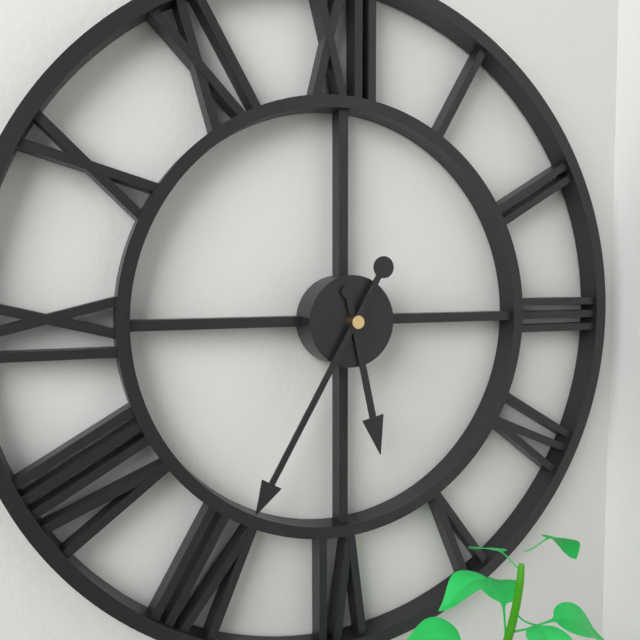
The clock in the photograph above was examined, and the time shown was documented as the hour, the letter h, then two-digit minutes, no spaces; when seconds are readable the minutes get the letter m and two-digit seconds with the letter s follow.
5h35
